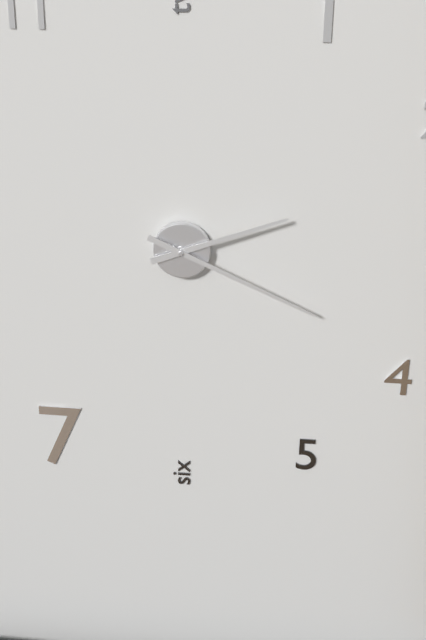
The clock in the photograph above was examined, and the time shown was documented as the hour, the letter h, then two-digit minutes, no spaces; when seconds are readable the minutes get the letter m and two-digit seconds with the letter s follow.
2h19
